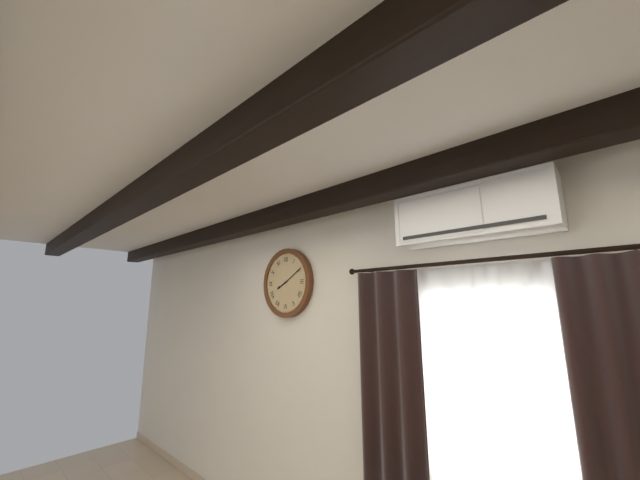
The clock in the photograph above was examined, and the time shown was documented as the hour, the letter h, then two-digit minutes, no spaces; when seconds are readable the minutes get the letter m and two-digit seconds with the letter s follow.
8h10
